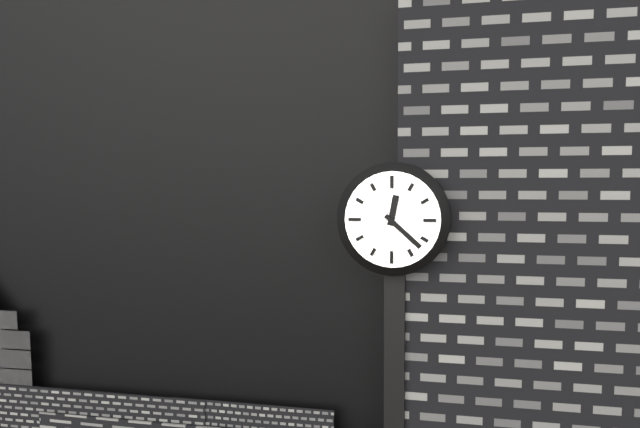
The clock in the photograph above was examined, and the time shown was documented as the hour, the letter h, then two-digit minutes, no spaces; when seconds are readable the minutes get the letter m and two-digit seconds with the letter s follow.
12h22
